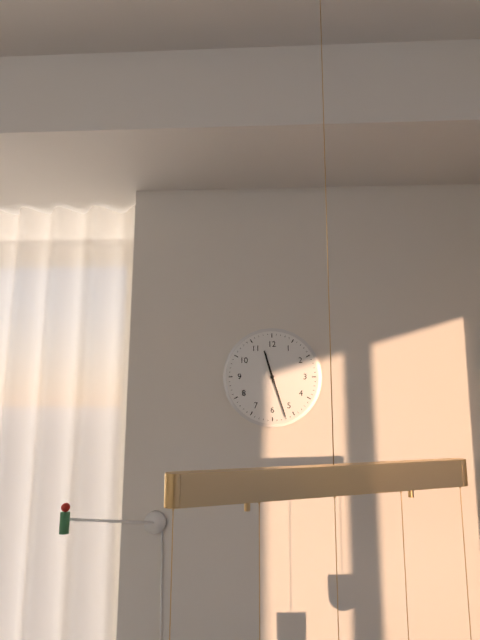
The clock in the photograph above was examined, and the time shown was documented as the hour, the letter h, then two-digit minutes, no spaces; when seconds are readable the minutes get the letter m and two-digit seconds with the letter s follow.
11h27
